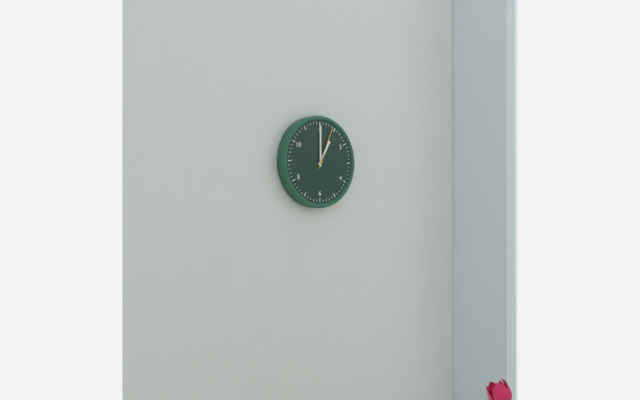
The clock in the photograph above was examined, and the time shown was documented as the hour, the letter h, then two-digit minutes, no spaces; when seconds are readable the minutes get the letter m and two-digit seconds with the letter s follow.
1h00
